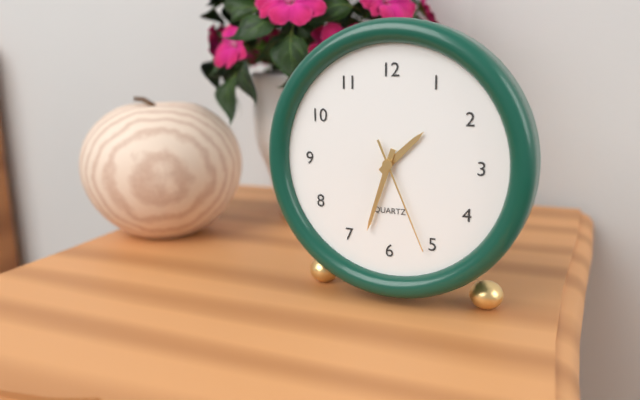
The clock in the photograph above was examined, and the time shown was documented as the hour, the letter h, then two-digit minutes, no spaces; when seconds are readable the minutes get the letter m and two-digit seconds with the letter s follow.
1h33m26s
